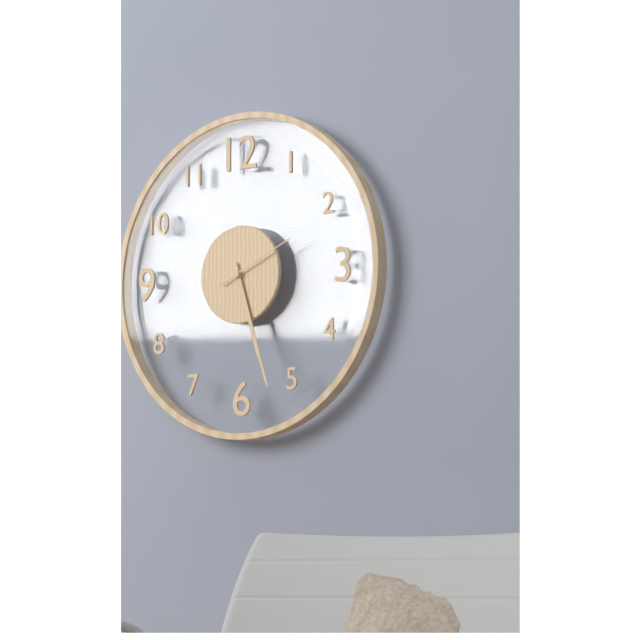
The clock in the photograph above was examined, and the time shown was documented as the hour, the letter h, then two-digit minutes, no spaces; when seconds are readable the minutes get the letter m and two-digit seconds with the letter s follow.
5h27m11s
